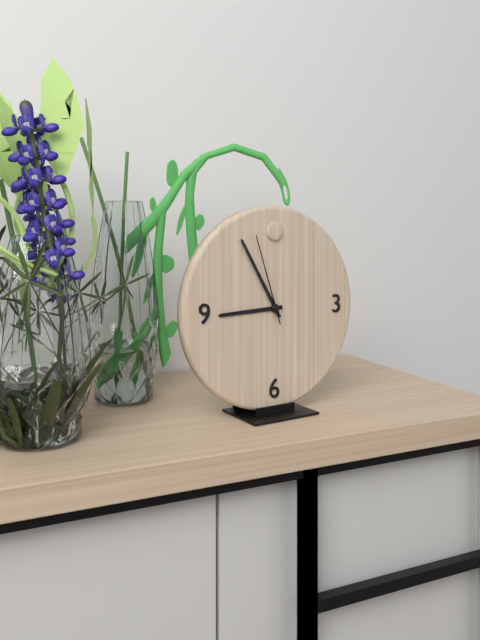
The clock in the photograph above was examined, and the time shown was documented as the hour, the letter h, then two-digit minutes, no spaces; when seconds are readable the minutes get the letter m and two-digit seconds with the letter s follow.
8h55m57s
